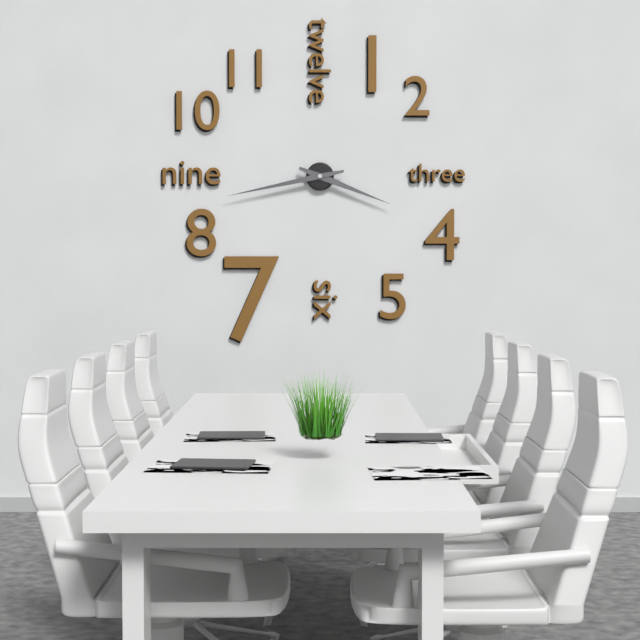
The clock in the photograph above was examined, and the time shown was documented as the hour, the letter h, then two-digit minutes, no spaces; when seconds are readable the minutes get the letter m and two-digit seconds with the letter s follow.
3h43
